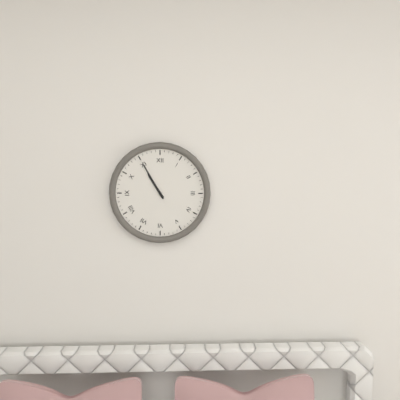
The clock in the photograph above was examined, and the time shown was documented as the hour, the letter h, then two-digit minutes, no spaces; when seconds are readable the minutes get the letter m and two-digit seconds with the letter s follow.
10h55
